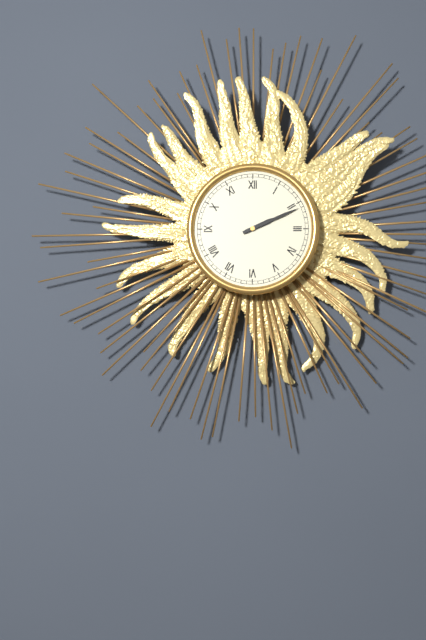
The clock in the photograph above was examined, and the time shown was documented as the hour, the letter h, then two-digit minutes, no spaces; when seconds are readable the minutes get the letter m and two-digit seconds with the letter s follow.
2h11
